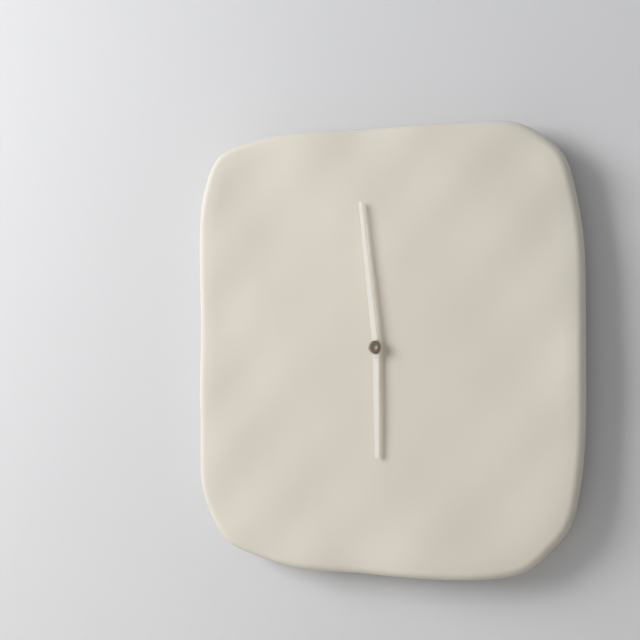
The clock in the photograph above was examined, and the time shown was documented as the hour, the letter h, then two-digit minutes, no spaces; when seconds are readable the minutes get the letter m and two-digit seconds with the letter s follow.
5h59
